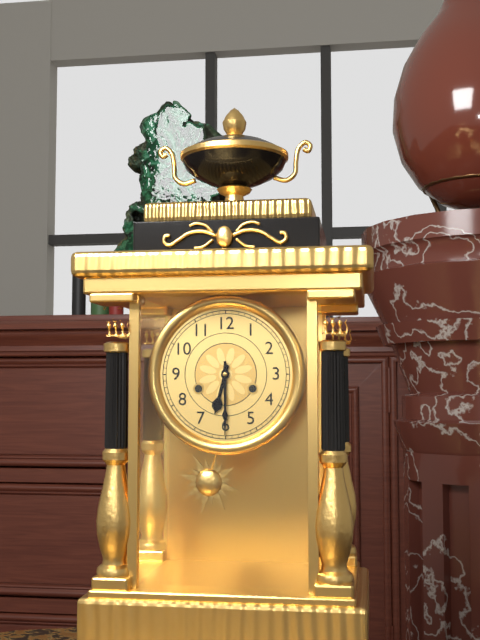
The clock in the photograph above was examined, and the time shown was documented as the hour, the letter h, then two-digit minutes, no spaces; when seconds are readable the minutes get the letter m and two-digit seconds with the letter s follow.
6h30
